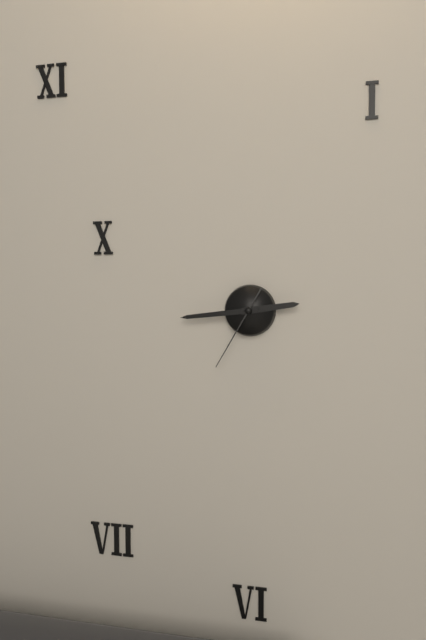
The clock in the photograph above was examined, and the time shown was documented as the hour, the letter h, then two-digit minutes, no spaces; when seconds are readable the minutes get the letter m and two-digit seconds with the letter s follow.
2h44m35s
